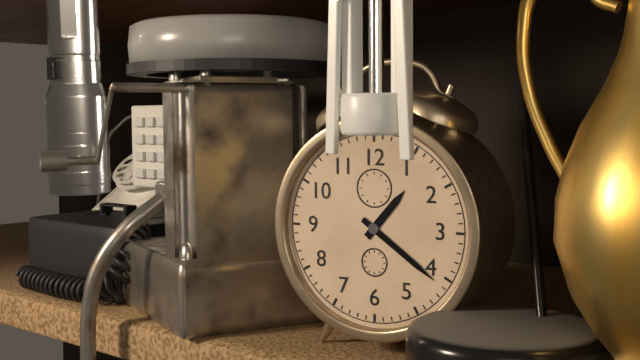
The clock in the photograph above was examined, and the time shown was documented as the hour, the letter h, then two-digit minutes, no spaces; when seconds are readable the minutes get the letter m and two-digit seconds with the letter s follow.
1h21
